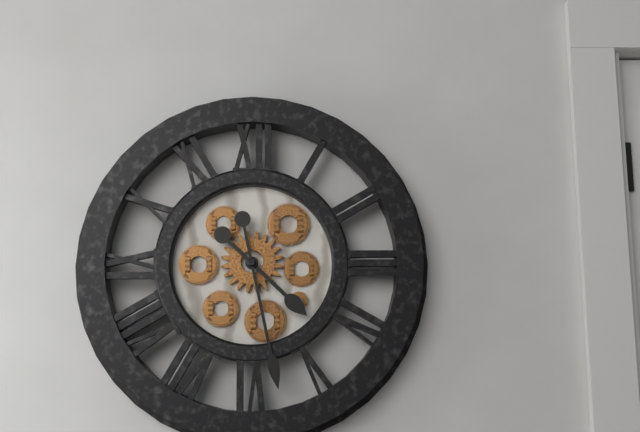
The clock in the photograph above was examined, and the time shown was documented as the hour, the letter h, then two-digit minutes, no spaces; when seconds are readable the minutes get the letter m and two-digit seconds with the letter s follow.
4h28
